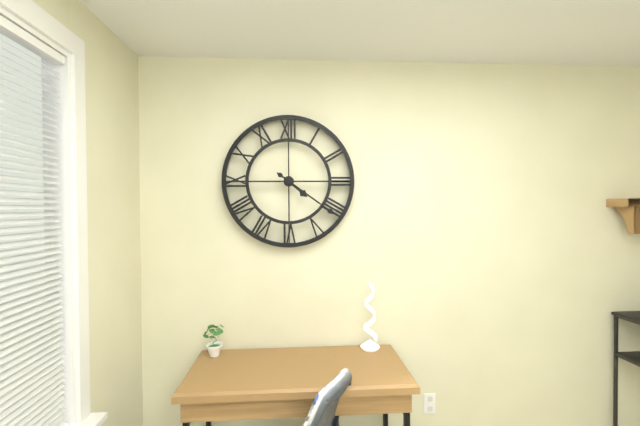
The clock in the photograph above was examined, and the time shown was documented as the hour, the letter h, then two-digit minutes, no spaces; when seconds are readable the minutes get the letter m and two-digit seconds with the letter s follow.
4h21
